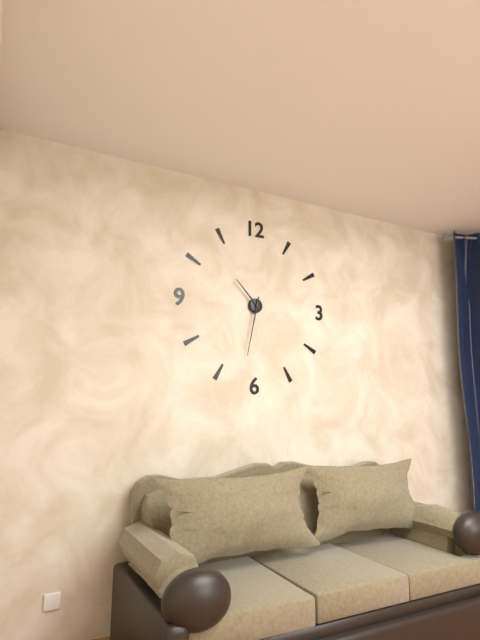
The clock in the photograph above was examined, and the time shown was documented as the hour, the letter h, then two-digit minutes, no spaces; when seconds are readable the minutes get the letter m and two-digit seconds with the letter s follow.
10h32
